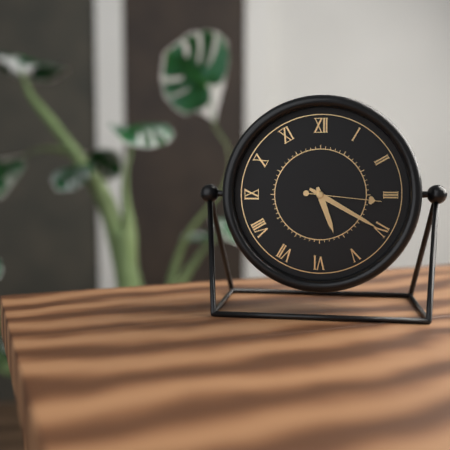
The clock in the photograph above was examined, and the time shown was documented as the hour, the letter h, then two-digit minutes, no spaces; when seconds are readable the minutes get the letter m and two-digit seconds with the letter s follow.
5h20m16s
